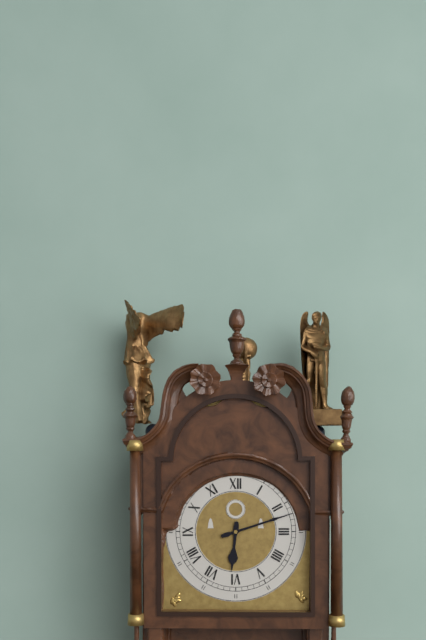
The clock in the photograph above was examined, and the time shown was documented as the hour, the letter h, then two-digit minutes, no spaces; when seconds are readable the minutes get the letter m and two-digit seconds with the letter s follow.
6h12
